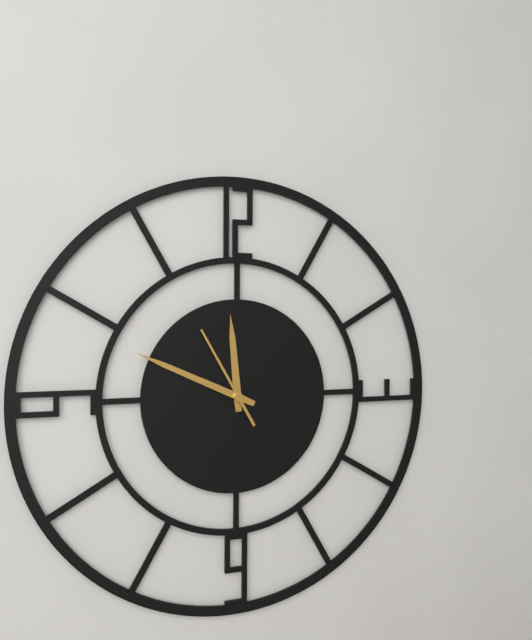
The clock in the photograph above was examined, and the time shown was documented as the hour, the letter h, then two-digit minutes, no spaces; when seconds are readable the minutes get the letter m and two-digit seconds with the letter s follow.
11h49m55s
